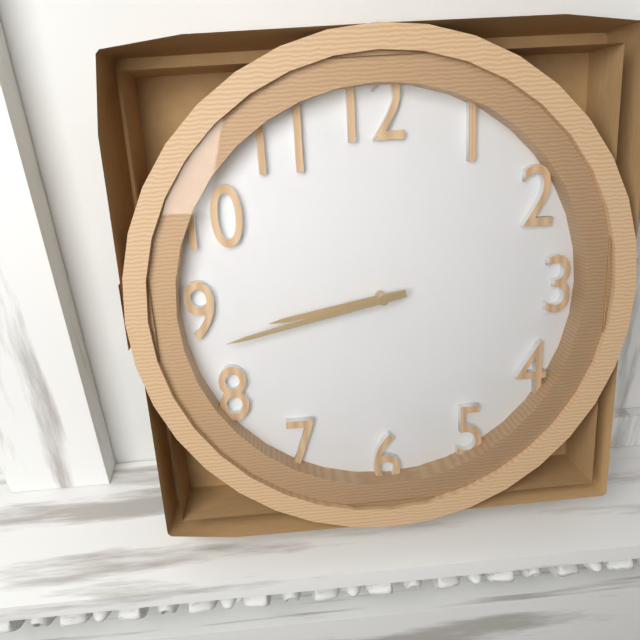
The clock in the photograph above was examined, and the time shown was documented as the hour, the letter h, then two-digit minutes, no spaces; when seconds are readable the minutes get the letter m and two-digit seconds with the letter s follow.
8h43
